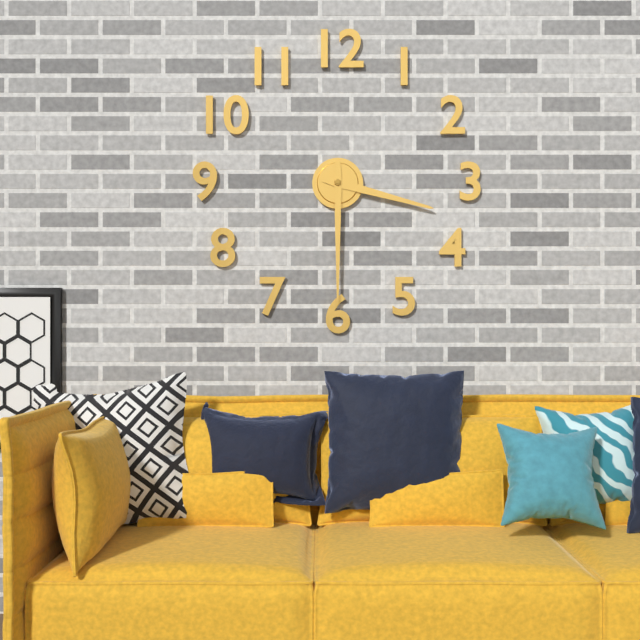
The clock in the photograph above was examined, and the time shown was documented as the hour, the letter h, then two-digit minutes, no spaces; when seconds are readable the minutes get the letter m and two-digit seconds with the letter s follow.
3h30
